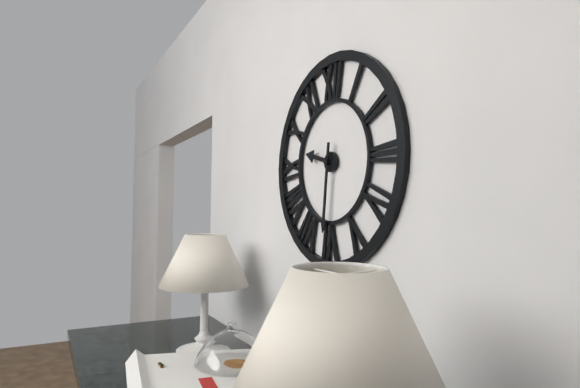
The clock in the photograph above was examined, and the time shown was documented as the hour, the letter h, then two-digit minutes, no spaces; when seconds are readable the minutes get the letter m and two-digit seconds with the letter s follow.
9h31
